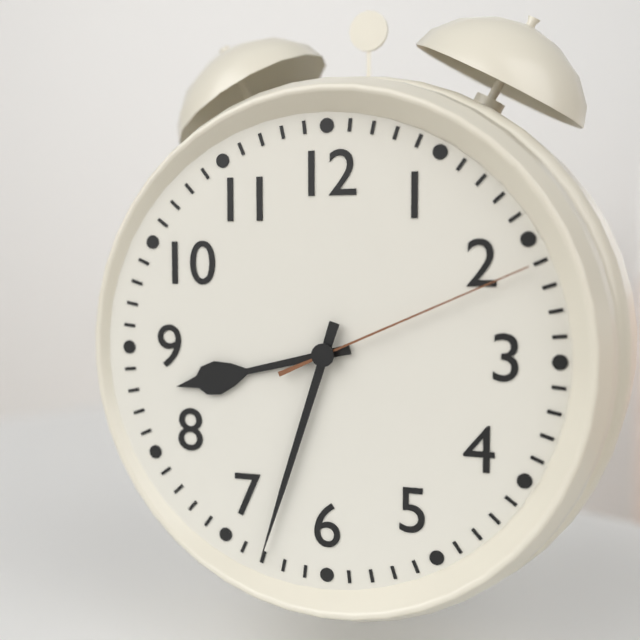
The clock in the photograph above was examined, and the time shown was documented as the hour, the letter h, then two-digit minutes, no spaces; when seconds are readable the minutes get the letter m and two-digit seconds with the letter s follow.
8h33m11s
